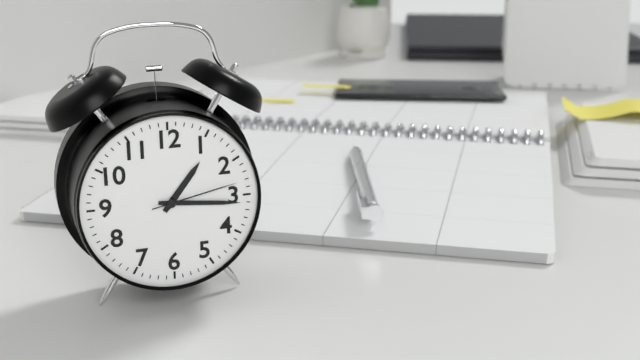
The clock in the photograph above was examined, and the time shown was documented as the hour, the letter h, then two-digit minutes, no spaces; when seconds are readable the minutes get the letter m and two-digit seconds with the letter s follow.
1h16m13s
